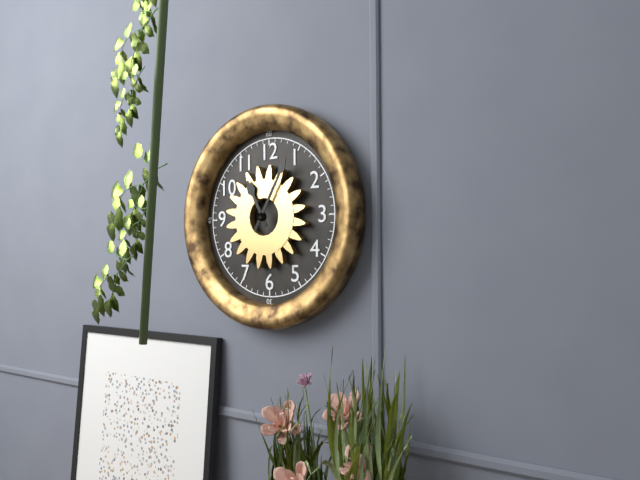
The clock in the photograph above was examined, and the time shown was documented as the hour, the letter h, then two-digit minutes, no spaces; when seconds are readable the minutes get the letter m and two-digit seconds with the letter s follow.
11h05
